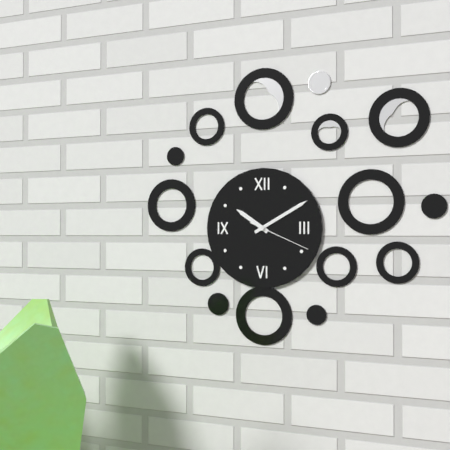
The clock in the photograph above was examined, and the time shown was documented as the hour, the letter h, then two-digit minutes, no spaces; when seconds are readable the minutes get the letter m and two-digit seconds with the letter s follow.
10h10m19s
